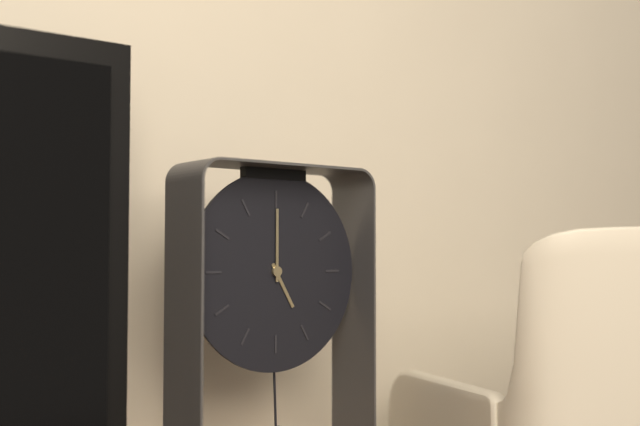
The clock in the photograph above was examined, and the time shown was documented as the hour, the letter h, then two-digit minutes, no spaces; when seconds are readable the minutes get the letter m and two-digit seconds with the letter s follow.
5h00
